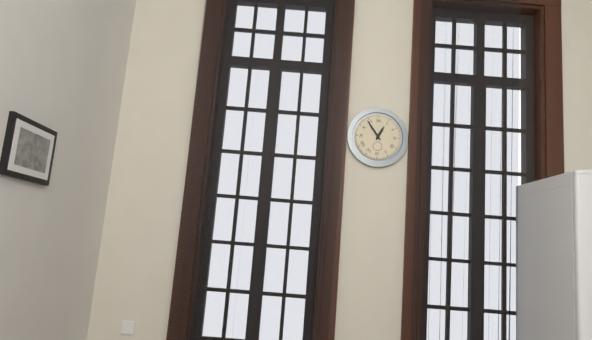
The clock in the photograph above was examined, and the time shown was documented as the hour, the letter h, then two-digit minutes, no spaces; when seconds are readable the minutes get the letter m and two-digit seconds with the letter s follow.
12h54
